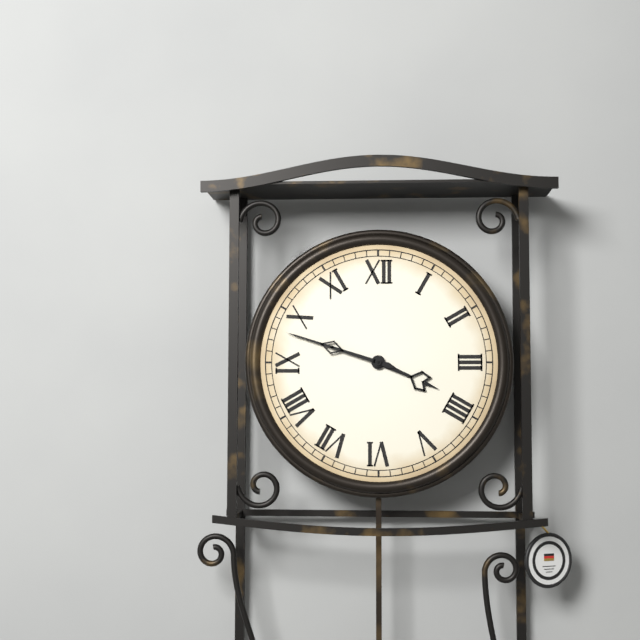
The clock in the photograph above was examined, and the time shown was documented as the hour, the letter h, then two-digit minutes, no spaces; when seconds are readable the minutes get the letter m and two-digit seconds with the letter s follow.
3h48
